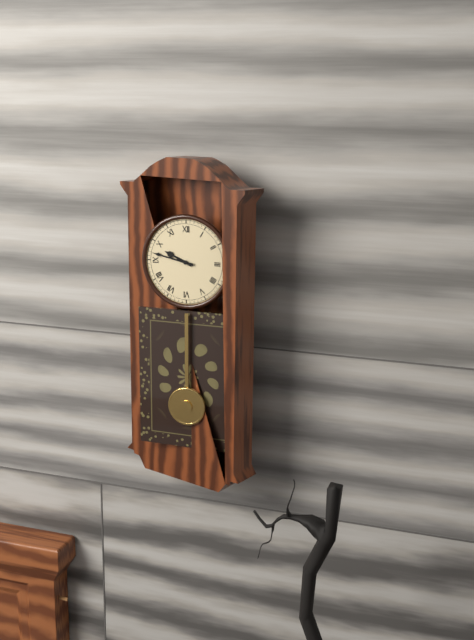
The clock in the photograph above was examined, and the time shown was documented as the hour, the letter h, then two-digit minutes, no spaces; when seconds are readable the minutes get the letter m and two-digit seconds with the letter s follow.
9h47
